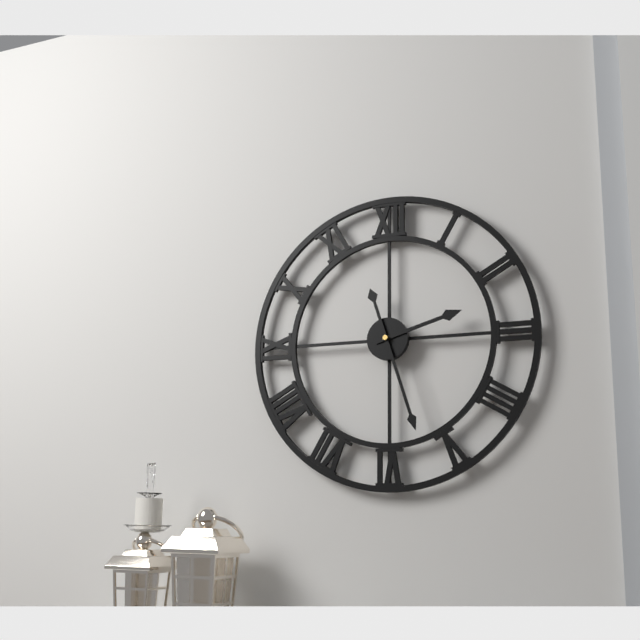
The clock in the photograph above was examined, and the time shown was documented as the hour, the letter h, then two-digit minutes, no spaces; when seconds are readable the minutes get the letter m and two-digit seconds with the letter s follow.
2h27
